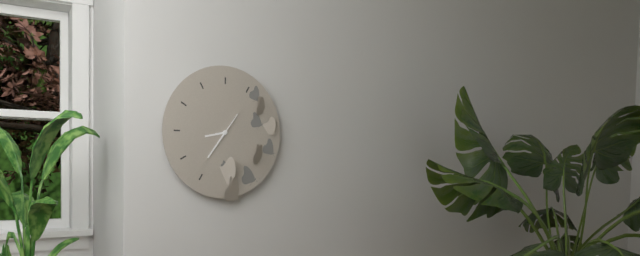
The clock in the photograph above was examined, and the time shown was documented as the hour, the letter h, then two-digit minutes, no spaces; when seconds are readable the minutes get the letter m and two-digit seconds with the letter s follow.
8h36
